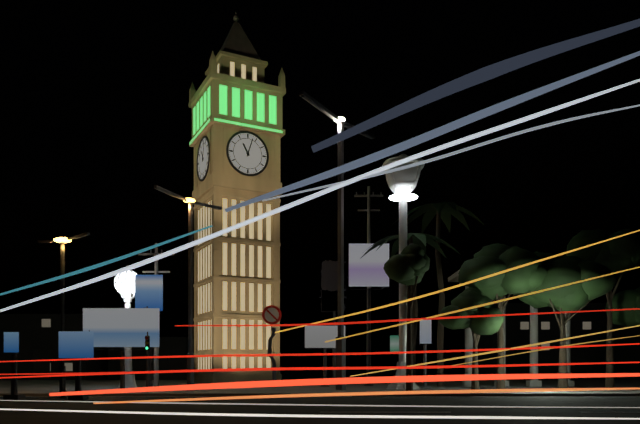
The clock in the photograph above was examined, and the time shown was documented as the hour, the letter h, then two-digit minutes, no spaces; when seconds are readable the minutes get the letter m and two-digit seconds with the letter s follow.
11h03
